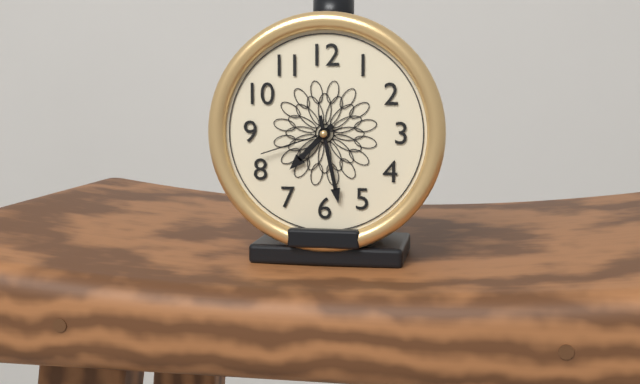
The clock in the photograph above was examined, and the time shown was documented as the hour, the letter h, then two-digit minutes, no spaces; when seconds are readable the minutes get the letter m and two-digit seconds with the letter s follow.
7h28m42s
